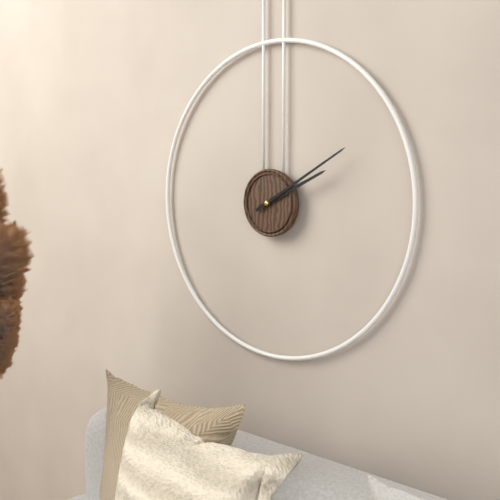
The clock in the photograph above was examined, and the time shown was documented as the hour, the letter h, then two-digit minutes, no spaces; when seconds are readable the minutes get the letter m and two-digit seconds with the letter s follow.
2h10
